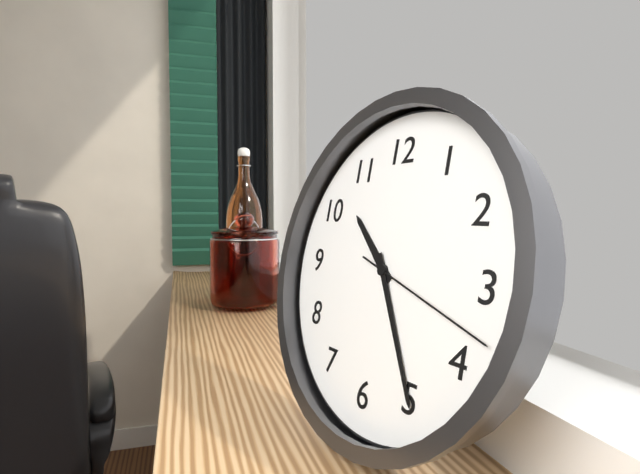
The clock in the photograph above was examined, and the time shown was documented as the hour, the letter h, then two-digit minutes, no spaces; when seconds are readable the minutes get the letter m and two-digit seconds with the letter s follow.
10h25m18s
